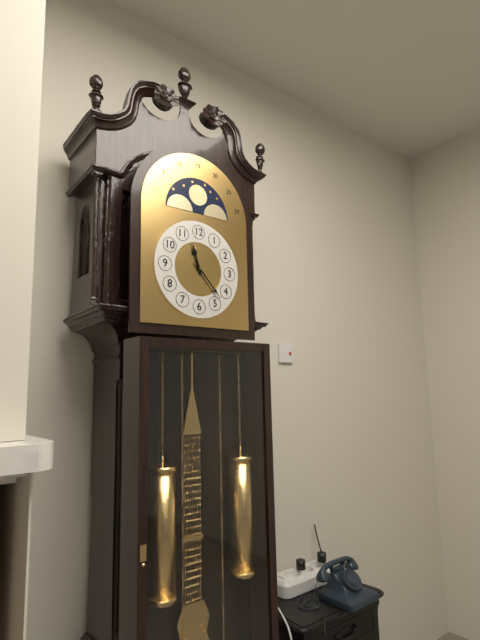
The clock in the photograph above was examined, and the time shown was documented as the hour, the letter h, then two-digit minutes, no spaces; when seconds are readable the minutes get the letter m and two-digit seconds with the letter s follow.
11h23
